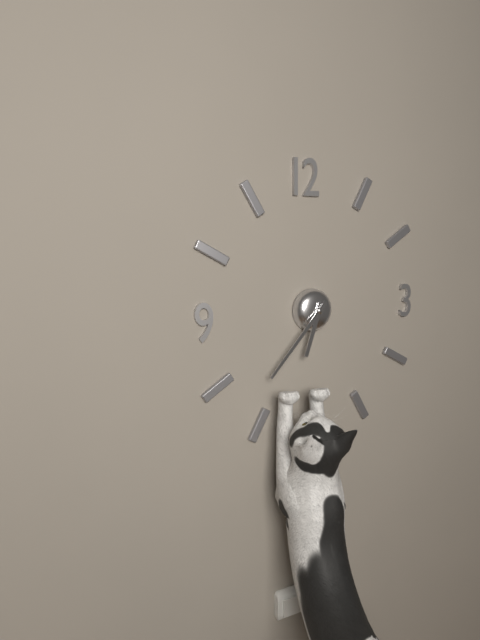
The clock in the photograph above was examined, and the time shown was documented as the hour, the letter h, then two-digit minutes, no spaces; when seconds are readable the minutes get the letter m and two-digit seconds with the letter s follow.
6h37
